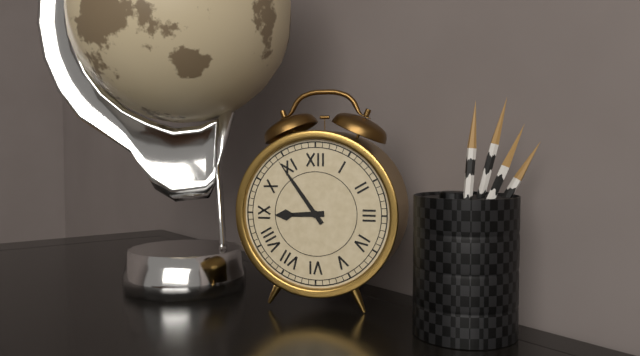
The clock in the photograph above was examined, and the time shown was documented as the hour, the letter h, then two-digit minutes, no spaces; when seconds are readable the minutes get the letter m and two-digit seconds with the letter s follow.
8h54
